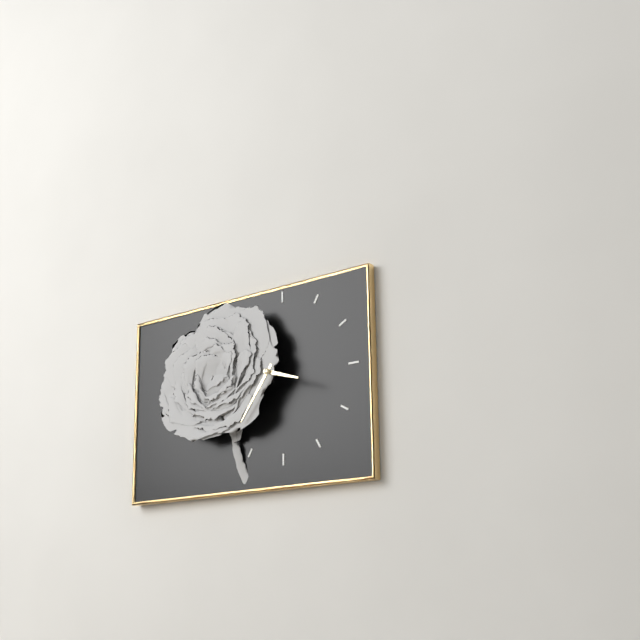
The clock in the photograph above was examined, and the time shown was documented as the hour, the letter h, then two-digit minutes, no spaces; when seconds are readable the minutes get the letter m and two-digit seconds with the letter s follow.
3h36
